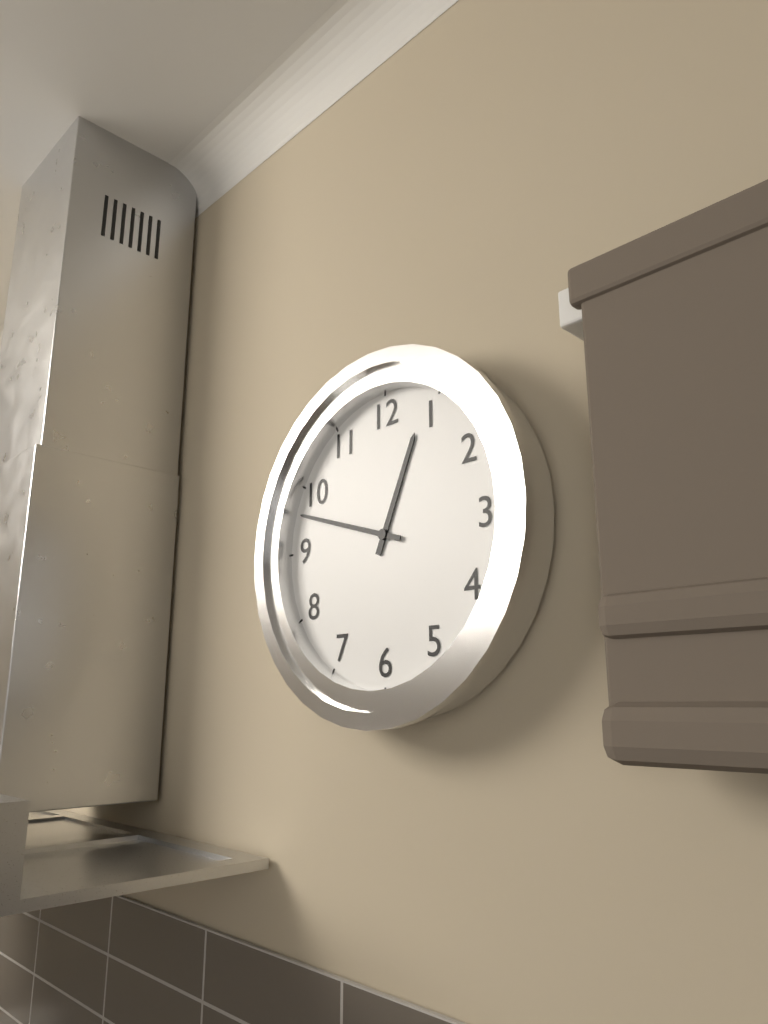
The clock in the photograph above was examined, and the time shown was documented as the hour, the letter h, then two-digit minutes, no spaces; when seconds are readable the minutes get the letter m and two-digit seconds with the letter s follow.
12h48
